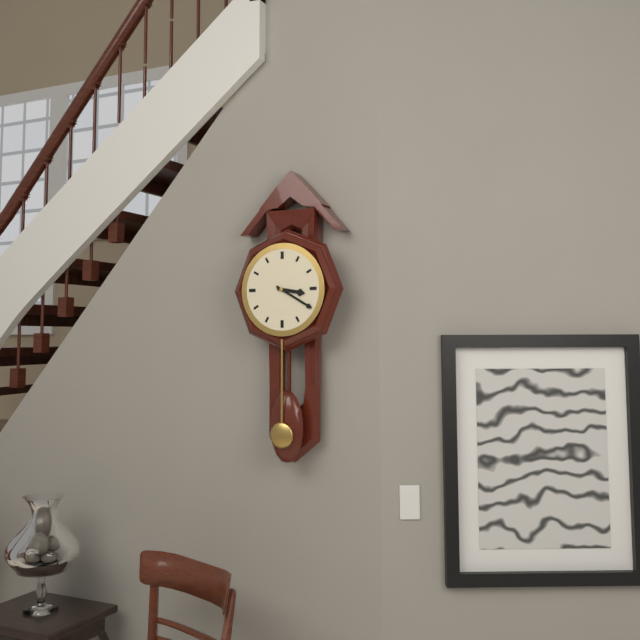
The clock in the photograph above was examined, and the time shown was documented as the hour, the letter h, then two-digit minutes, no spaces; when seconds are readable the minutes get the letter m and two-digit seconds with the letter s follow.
3h20
